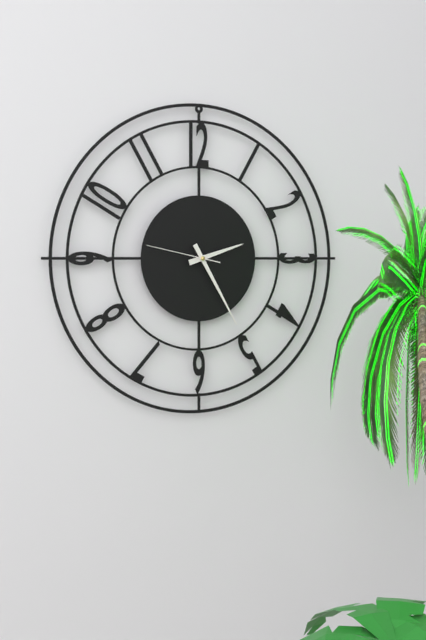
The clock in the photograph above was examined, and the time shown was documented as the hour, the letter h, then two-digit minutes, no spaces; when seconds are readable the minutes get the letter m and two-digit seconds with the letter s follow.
2h25m47s
